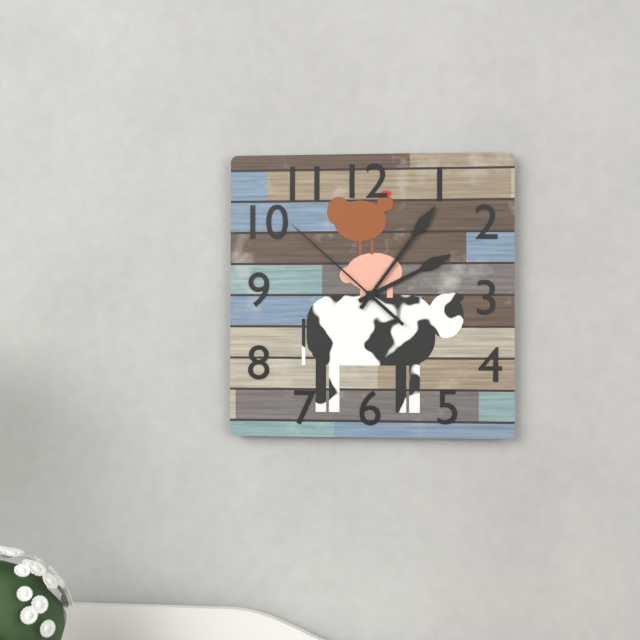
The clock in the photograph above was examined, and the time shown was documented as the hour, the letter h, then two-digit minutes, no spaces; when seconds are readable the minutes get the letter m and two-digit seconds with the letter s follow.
2h06m52s
